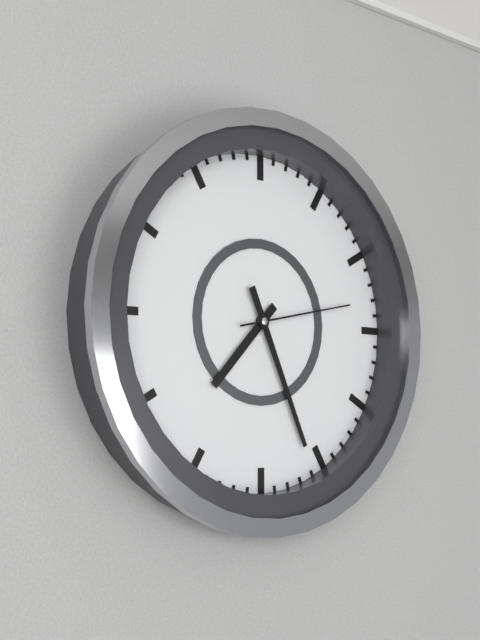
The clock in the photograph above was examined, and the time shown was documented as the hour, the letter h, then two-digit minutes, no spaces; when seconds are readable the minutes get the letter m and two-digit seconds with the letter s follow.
7h26m13s
